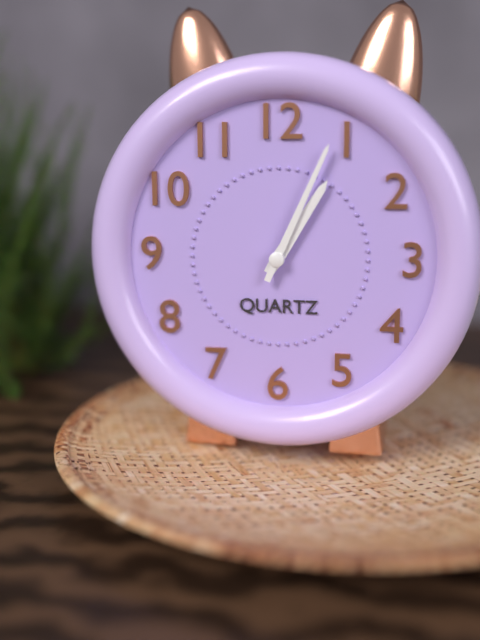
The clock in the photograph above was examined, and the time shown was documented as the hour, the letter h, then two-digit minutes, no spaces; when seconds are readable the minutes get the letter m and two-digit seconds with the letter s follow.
1h04
